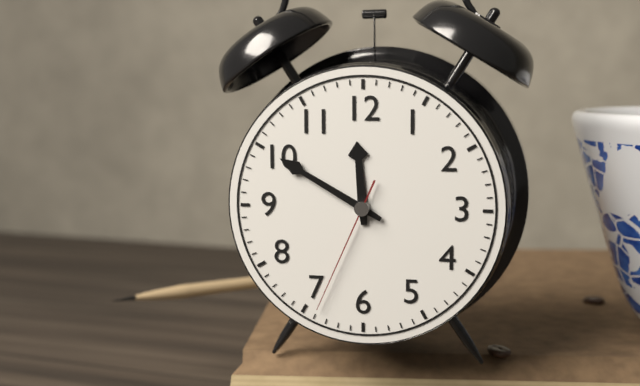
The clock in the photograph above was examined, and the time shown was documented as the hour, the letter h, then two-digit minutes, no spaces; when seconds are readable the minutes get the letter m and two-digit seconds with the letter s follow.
11h50m34s
